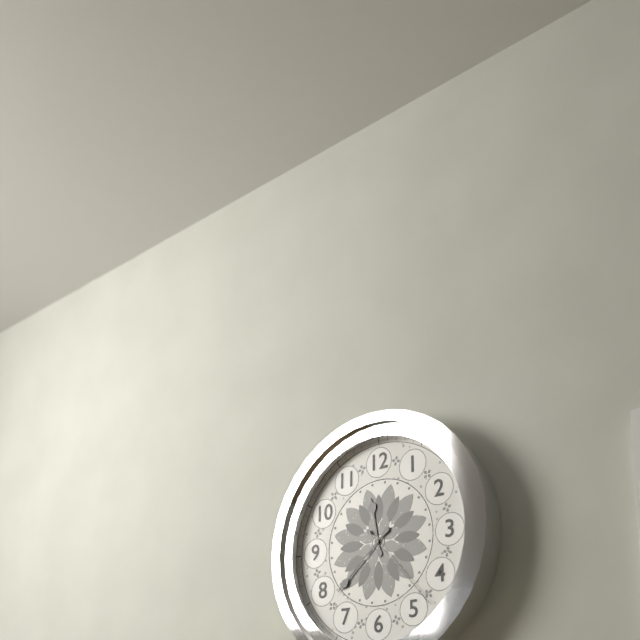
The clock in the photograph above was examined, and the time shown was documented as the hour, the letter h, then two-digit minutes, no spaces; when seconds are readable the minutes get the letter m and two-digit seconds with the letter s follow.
11h38m23s
